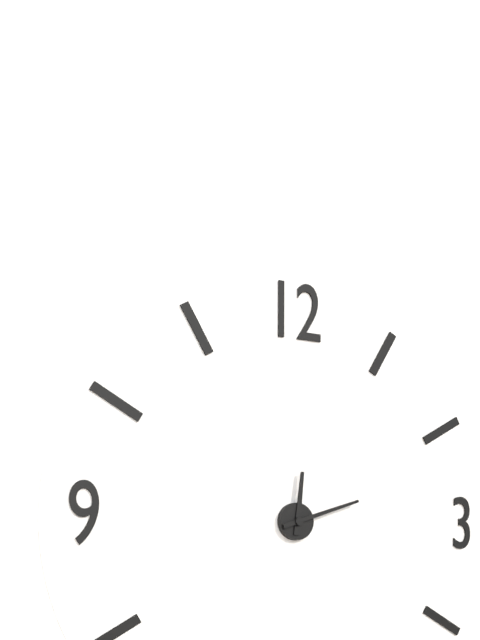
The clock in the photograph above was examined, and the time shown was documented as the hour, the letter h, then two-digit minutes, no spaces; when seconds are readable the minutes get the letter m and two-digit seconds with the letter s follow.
12h12
